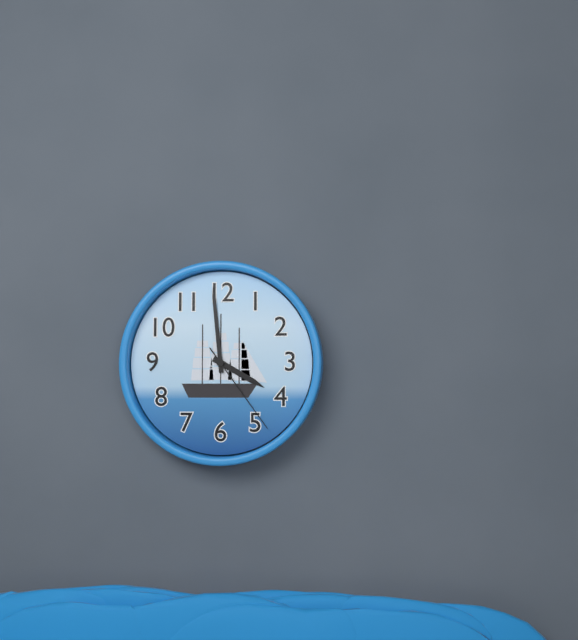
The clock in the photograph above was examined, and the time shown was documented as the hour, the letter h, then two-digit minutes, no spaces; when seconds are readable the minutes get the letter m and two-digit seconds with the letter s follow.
3h59m24s
